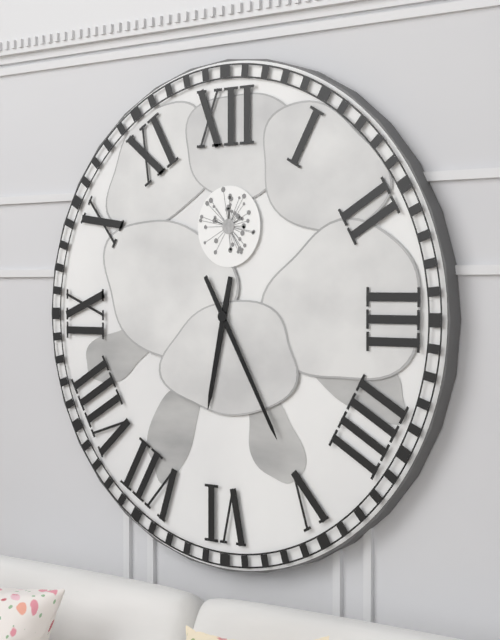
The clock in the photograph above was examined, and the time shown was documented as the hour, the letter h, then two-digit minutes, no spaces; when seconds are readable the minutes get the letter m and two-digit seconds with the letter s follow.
6h25
